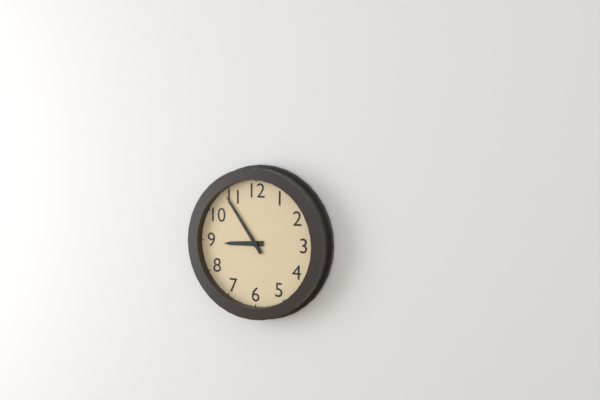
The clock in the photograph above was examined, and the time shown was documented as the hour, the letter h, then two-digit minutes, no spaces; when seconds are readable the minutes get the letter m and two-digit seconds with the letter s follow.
8h54
